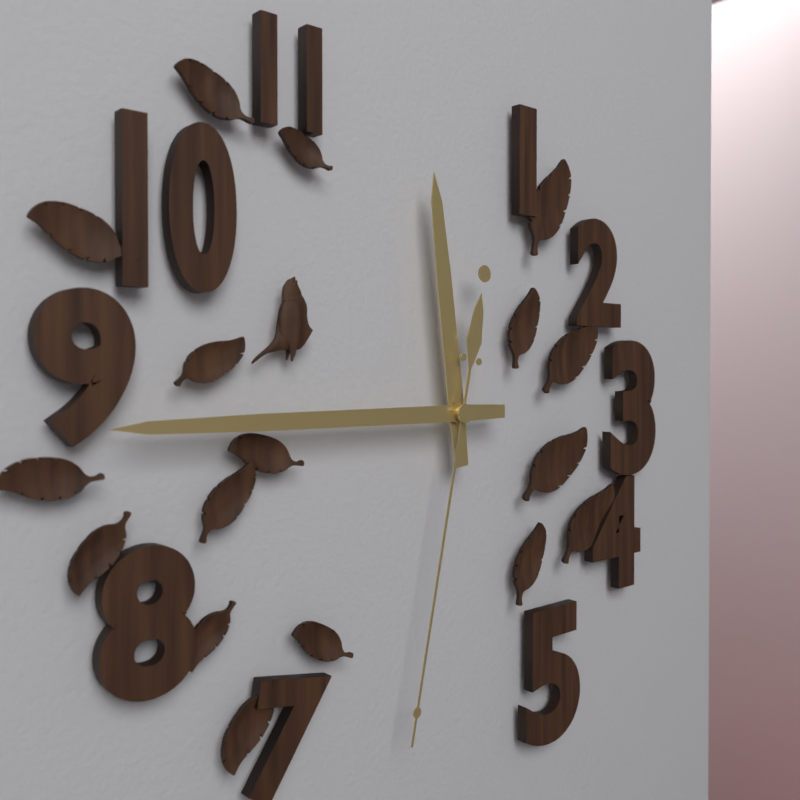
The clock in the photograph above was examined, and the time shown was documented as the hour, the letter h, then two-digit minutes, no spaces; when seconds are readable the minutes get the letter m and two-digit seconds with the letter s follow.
11h45m32s
